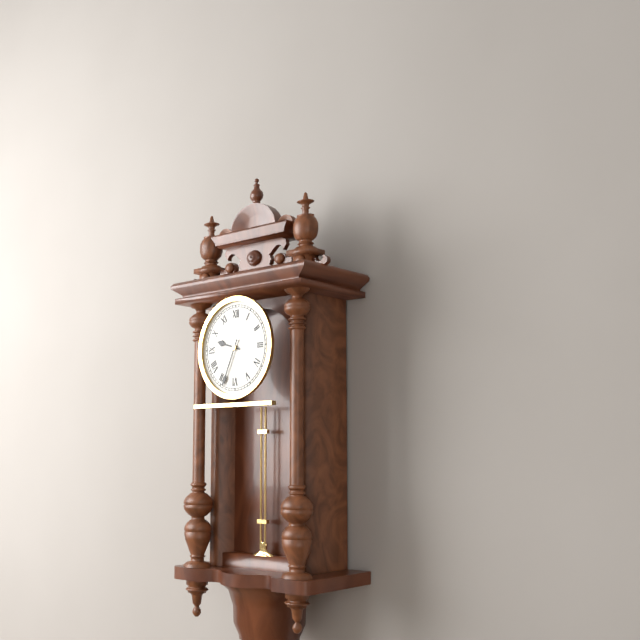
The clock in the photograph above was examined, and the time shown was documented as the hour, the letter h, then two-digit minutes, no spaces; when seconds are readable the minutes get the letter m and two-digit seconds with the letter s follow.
9h34
